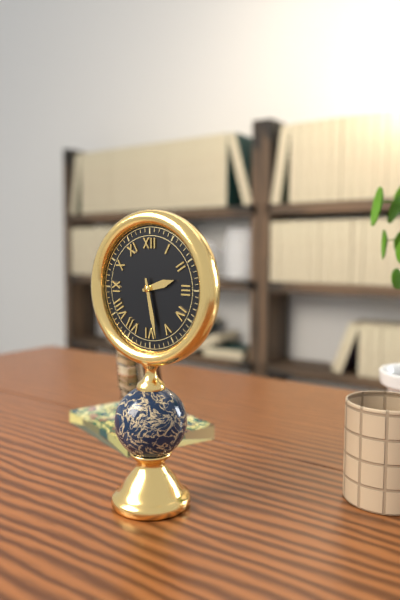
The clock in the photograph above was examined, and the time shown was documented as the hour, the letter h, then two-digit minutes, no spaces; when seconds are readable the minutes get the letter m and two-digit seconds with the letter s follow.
2h28
